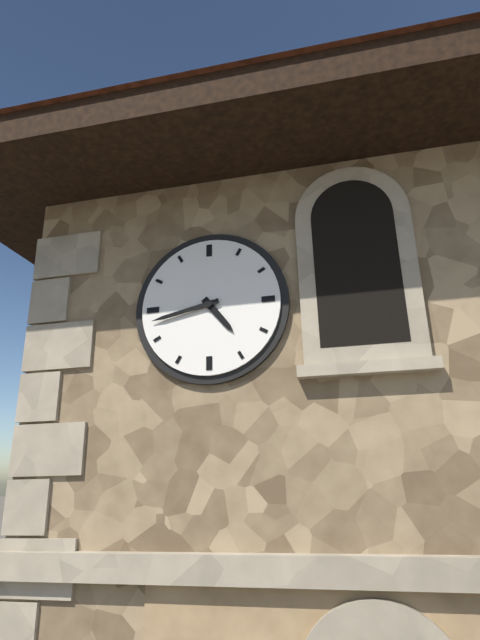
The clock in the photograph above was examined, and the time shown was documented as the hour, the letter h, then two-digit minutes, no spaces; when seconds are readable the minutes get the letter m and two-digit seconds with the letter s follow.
4h43
